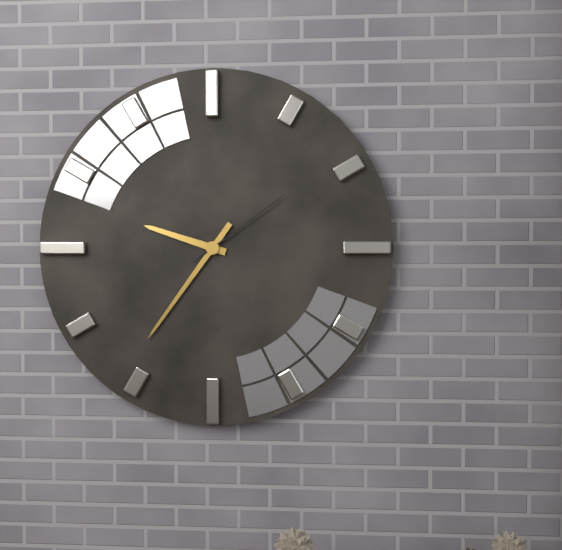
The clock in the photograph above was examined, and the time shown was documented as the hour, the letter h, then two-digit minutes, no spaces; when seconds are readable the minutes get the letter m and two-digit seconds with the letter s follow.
9h36m09s
